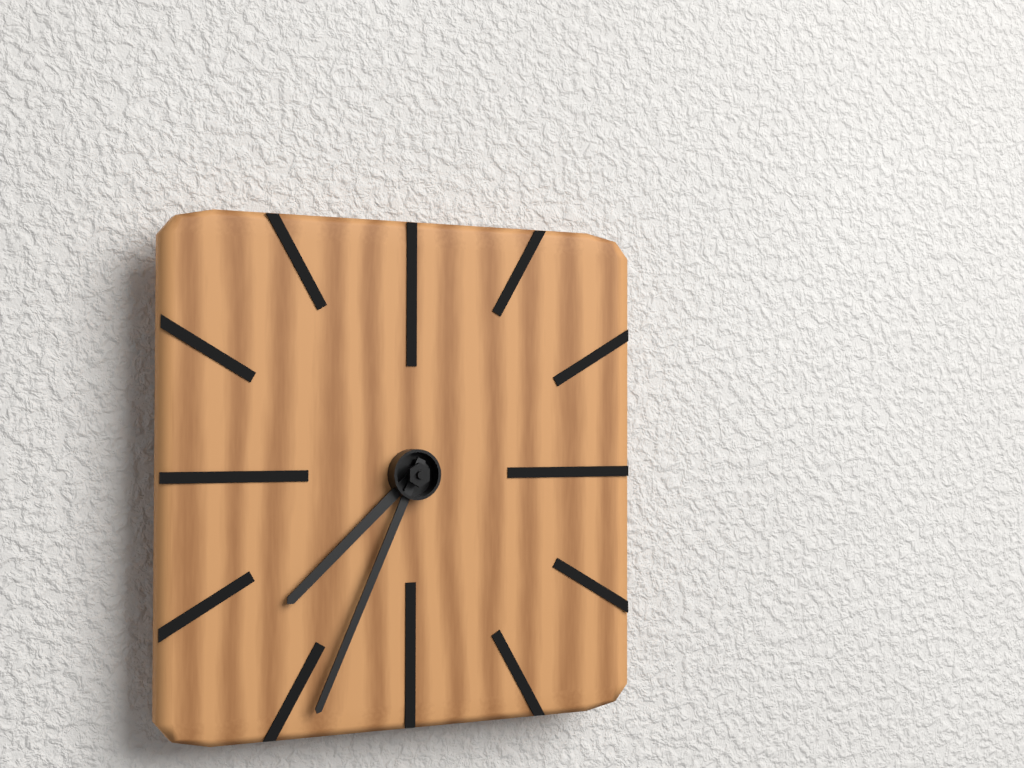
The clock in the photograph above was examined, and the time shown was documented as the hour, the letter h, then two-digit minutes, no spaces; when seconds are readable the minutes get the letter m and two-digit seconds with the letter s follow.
7h34
